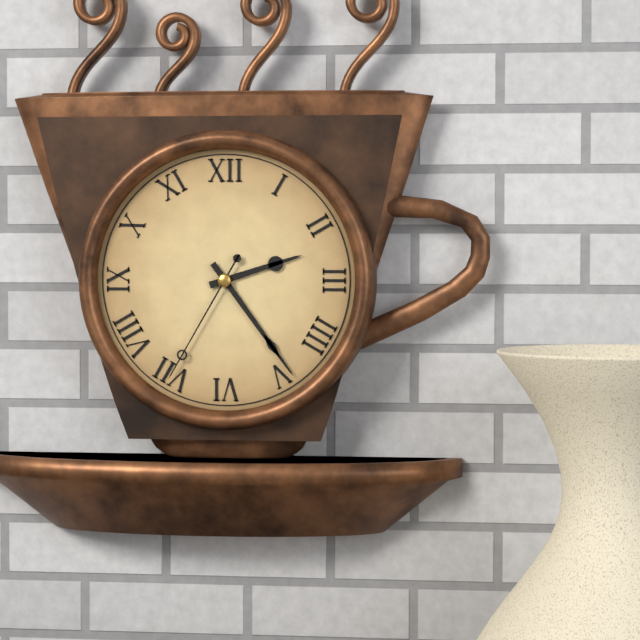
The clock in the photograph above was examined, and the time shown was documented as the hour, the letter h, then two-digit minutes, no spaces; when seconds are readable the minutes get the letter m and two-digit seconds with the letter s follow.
2h24m35s
